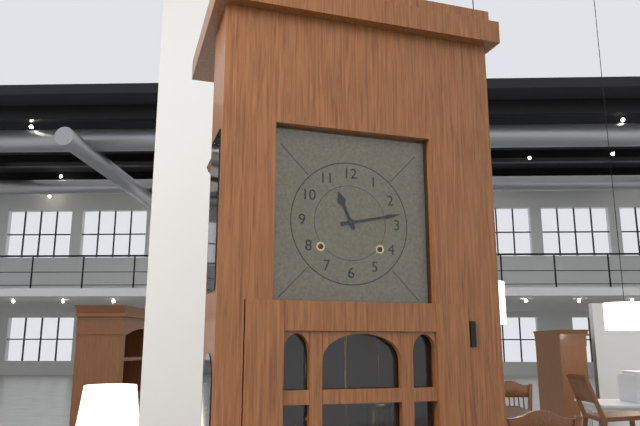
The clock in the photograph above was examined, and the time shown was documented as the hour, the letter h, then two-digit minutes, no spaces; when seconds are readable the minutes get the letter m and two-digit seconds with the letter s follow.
11h13
